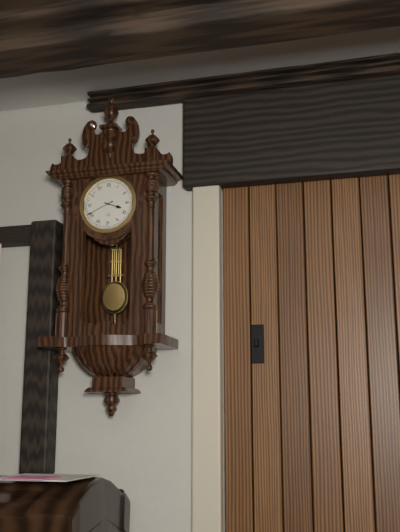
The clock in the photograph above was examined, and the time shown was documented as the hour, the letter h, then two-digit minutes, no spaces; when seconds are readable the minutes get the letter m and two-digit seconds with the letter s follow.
3h41
